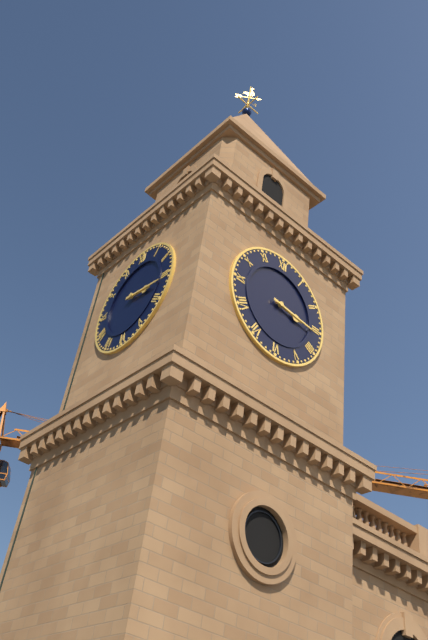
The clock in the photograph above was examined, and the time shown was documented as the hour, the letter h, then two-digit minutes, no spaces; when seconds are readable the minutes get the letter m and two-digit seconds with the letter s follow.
3h16
